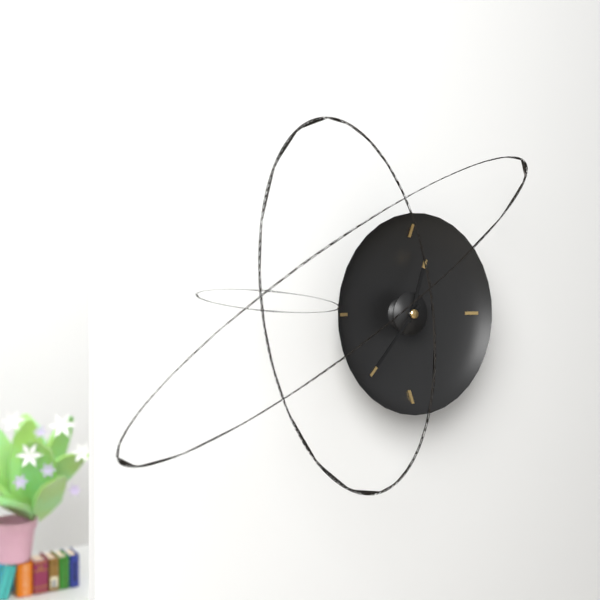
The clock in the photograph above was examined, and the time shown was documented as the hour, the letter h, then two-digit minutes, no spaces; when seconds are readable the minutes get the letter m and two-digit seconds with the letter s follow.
12h37
